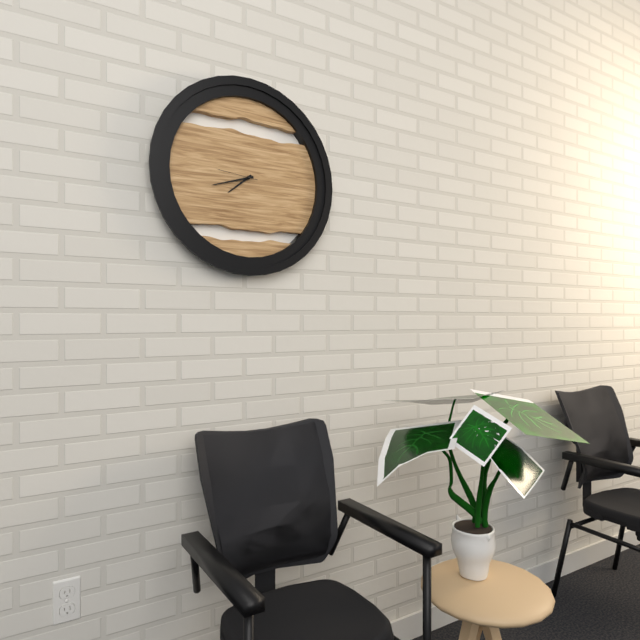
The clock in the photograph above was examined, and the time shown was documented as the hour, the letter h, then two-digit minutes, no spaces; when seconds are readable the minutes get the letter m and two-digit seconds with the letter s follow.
7h42
